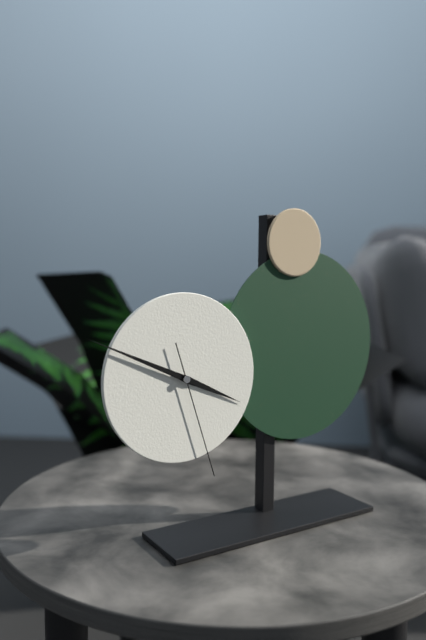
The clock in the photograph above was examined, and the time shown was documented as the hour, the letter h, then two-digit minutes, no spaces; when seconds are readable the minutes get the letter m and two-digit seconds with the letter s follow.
3h49m27s
